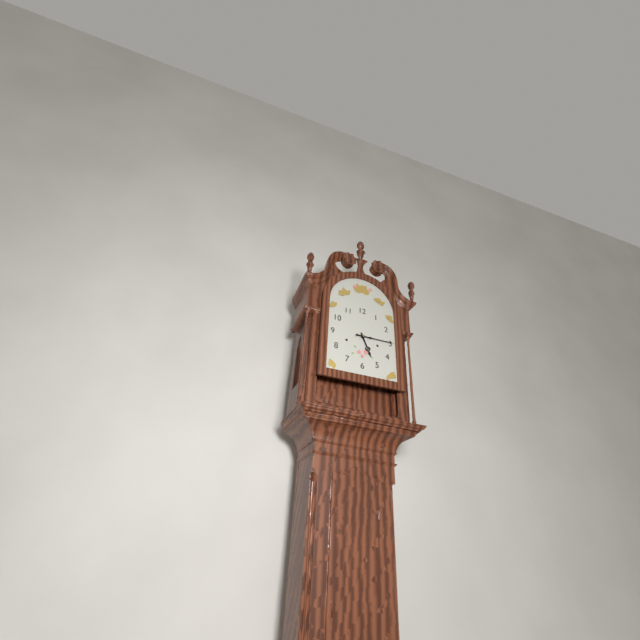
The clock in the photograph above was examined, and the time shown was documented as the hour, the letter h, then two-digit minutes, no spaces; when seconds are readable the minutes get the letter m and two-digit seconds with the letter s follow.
5h15
